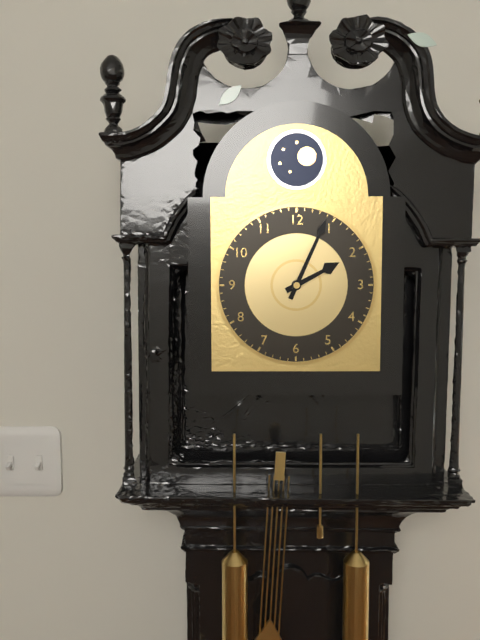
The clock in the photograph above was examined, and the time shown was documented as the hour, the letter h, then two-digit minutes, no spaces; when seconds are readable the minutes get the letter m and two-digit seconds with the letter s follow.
2h04
